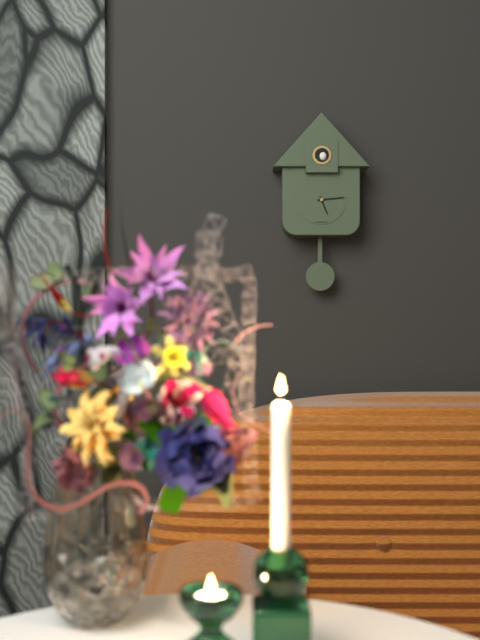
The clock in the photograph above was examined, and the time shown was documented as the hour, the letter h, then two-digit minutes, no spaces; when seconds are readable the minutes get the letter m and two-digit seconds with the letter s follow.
5h14
